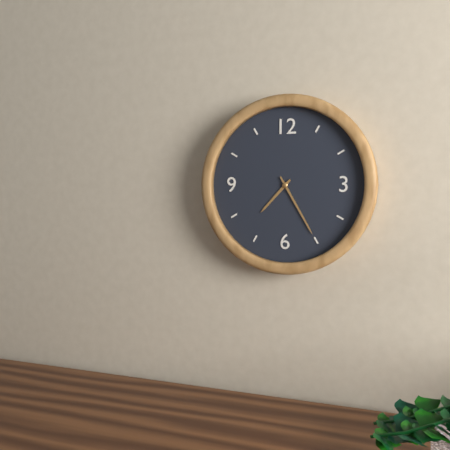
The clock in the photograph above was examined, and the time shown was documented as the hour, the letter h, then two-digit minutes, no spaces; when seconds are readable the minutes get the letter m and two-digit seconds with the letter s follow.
7h25
